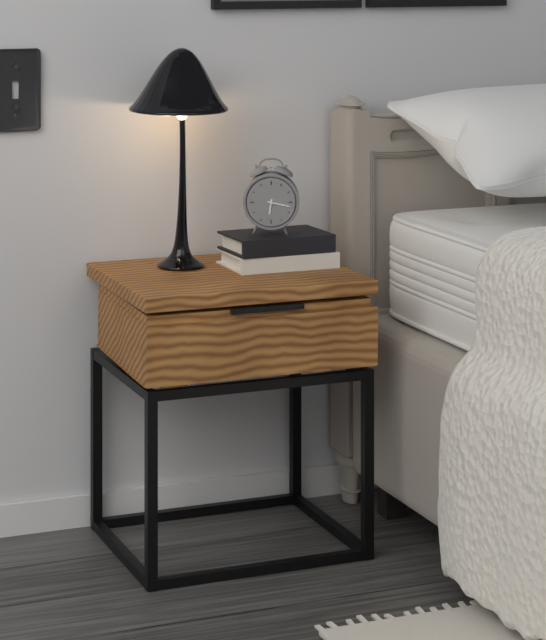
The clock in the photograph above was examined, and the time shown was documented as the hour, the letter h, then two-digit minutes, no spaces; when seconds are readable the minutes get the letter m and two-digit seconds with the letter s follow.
6h17
